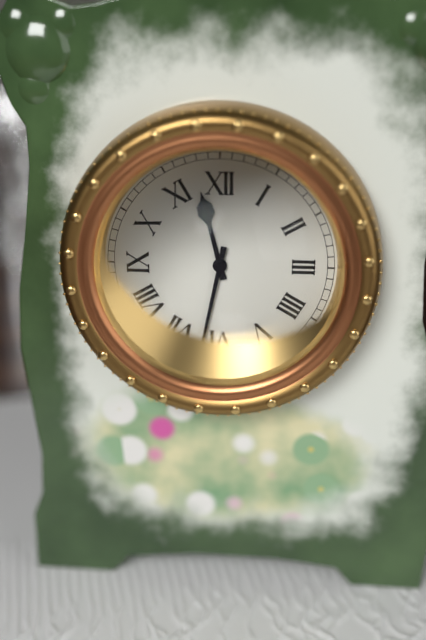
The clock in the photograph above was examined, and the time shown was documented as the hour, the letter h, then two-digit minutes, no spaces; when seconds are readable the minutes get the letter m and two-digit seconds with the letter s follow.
11h32
